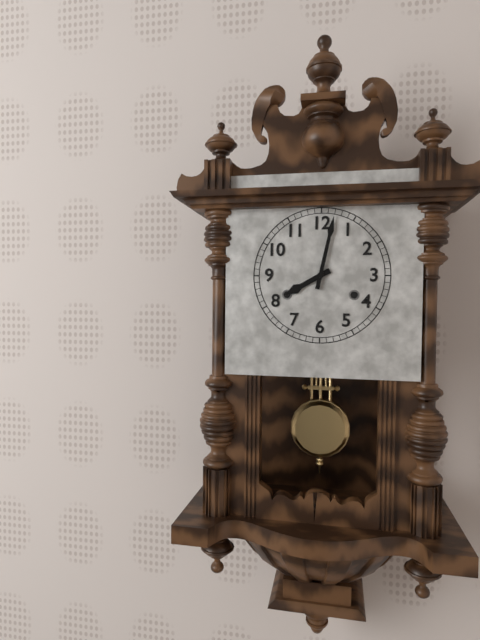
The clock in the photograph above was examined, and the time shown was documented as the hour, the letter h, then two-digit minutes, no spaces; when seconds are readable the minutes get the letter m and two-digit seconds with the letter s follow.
8h02
